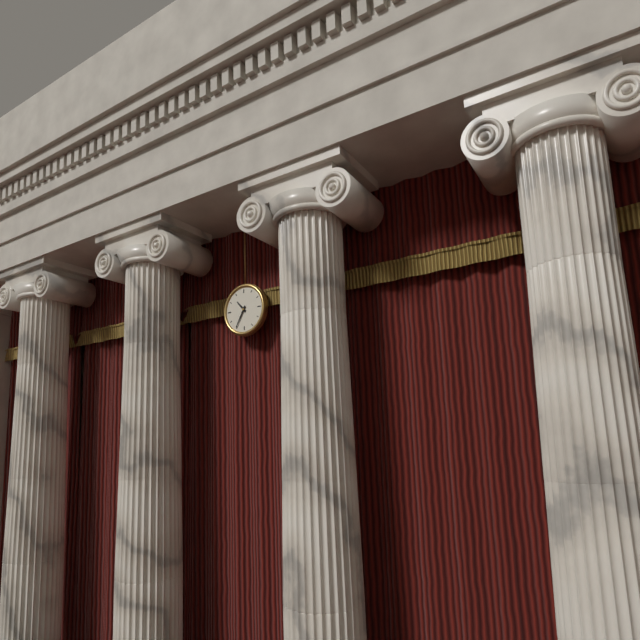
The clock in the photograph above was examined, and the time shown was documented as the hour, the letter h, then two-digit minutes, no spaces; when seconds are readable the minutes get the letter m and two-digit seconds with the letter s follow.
10h35
